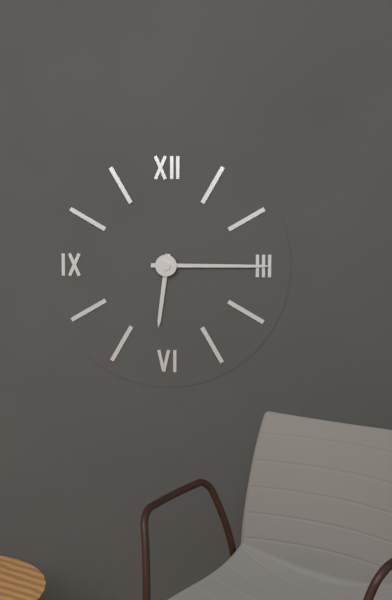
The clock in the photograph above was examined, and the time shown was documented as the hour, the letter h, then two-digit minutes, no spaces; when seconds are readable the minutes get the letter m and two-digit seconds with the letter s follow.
6h15
